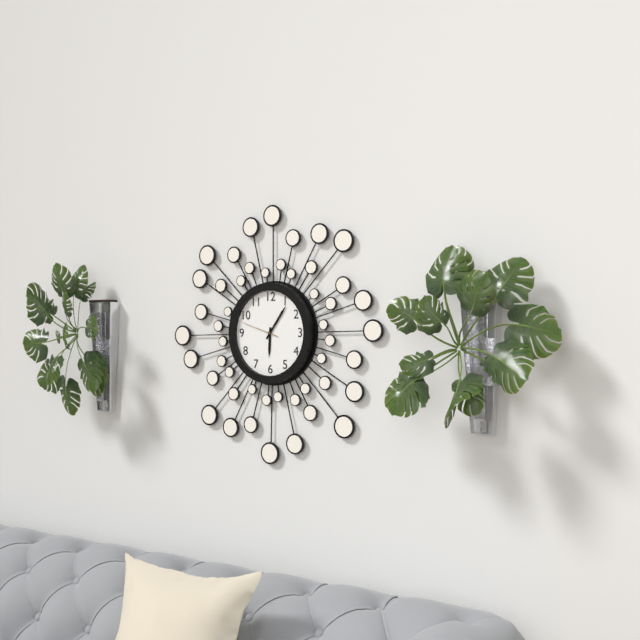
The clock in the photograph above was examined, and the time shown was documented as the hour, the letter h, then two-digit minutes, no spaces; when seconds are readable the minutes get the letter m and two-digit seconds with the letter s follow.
6h06
